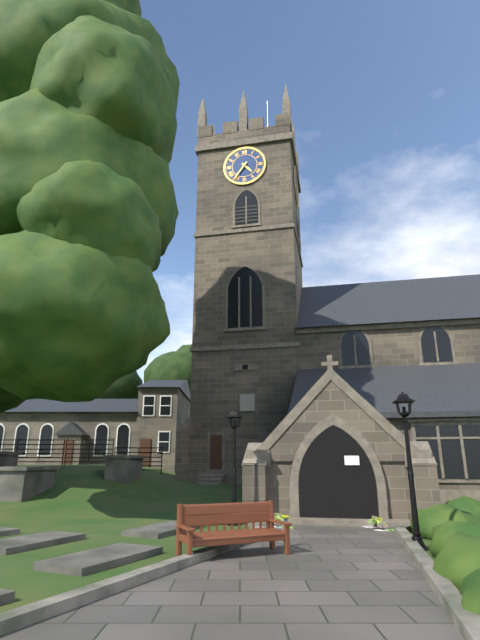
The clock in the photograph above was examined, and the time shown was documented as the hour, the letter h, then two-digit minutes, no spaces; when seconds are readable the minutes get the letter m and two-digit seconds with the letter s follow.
4h36
